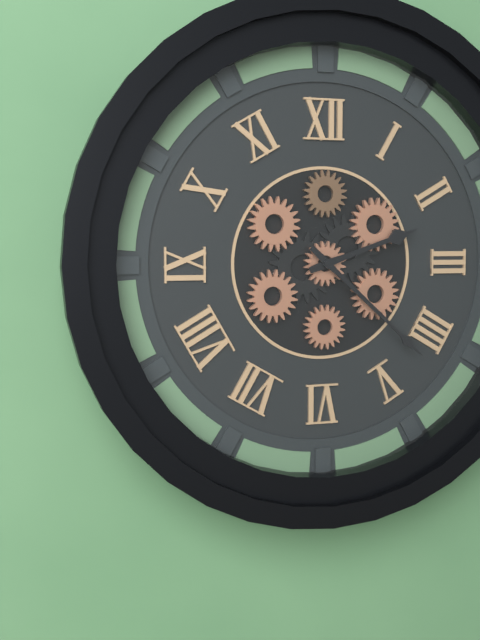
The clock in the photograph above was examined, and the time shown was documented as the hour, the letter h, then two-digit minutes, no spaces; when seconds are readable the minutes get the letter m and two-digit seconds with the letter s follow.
2h22
